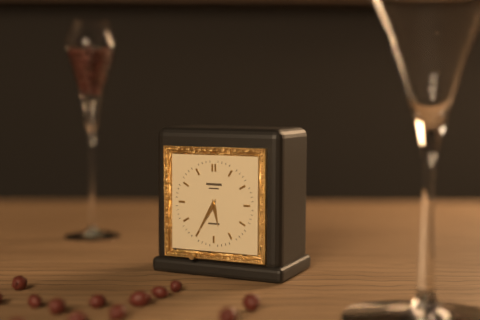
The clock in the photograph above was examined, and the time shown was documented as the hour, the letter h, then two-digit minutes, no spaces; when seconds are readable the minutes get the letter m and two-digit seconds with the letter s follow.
5h35
